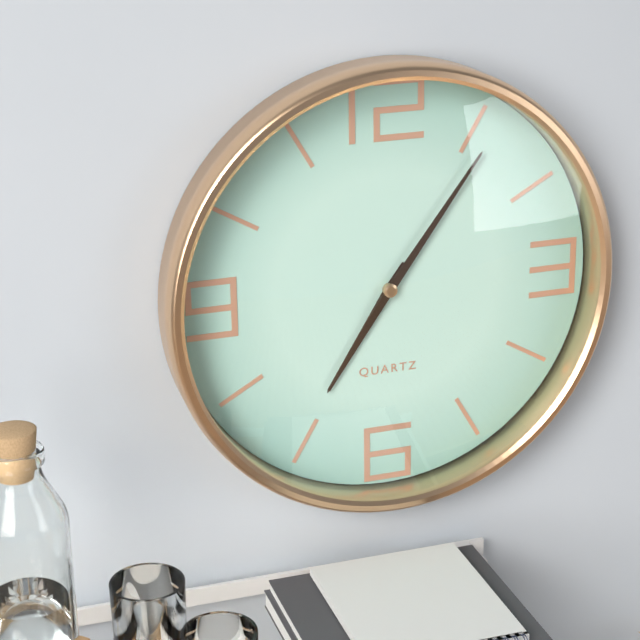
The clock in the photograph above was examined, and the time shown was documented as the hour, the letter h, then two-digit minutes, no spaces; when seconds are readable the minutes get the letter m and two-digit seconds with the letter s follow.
7h06
